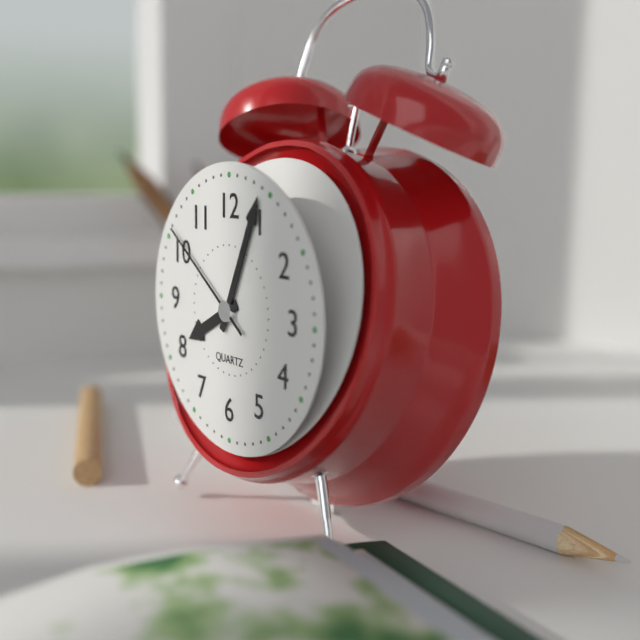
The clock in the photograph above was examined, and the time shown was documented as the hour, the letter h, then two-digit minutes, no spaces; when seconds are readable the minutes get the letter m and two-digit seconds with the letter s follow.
8h04m51s
